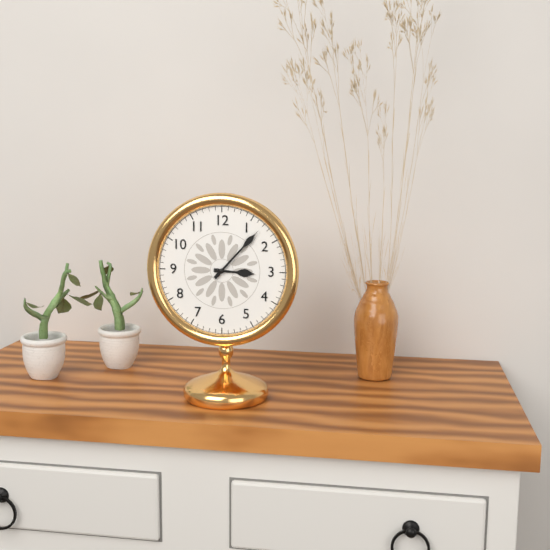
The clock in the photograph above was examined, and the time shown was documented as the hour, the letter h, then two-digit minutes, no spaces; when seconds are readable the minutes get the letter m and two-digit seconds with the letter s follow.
3h07
